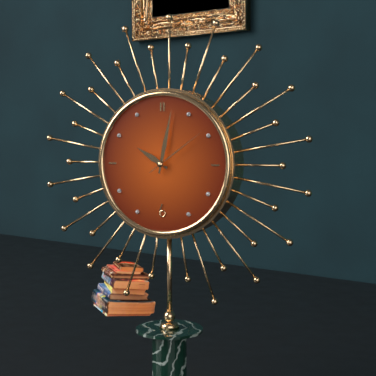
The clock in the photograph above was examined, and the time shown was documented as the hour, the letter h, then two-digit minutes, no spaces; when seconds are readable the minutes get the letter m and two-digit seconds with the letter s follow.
10h02m09s
